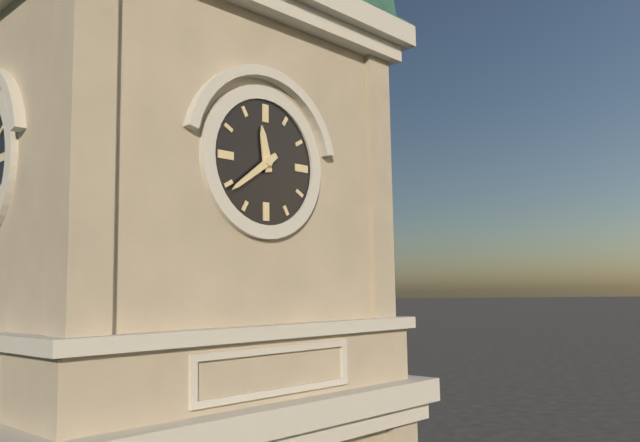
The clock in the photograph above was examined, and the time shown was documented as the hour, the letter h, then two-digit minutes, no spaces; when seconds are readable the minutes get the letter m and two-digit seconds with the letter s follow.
11h39
